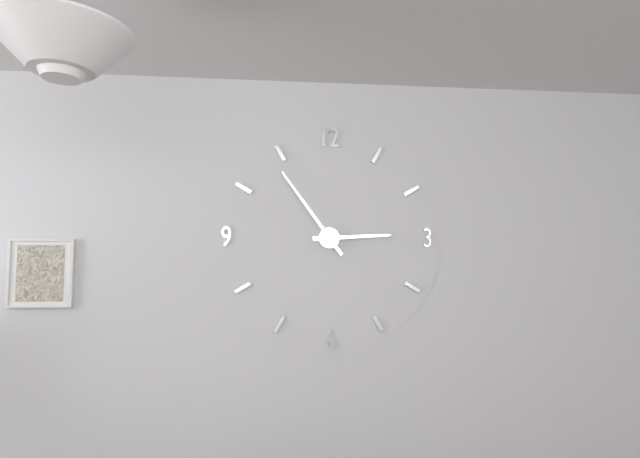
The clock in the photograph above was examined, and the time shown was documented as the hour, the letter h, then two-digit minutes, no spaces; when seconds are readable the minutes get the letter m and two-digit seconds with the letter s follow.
2h54
